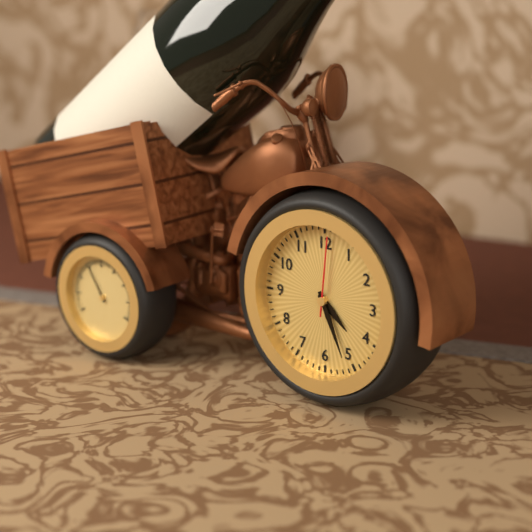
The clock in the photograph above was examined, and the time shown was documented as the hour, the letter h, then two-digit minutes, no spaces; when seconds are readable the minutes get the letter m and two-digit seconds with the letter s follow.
4h26m01s
